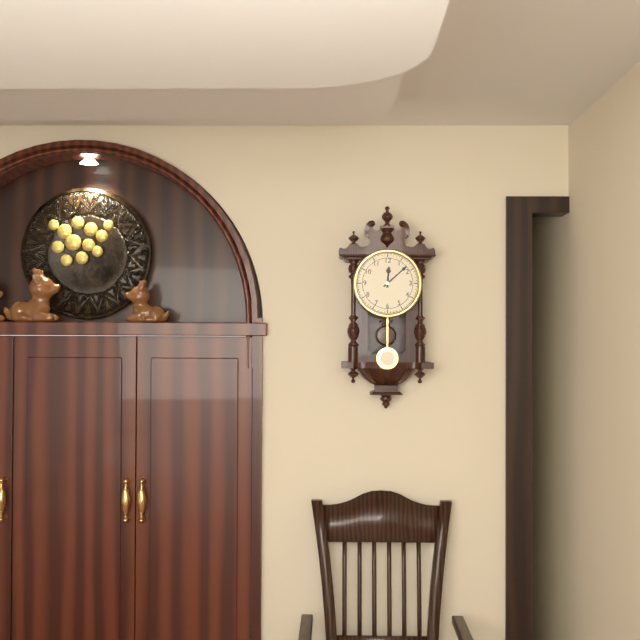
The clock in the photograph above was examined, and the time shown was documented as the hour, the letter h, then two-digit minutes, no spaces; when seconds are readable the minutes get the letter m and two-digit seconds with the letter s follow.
12h08
